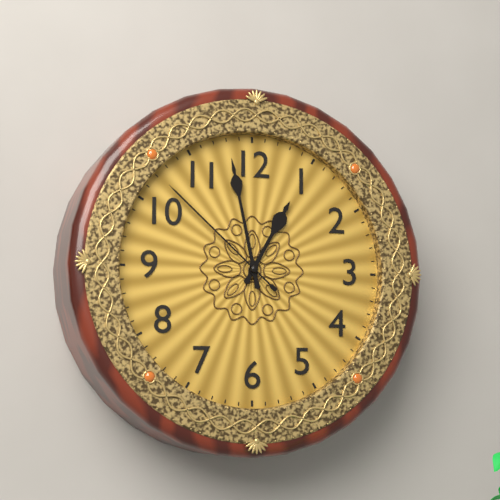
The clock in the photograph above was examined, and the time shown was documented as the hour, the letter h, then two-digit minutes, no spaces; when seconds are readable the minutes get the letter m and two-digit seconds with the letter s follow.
12h58m52s
